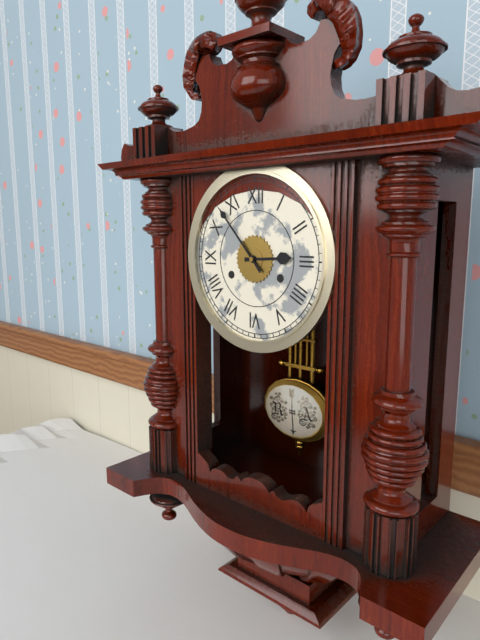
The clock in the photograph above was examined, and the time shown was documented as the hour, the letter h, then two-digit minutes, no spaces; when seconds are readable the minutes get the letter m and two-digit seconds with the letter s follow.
2h53
